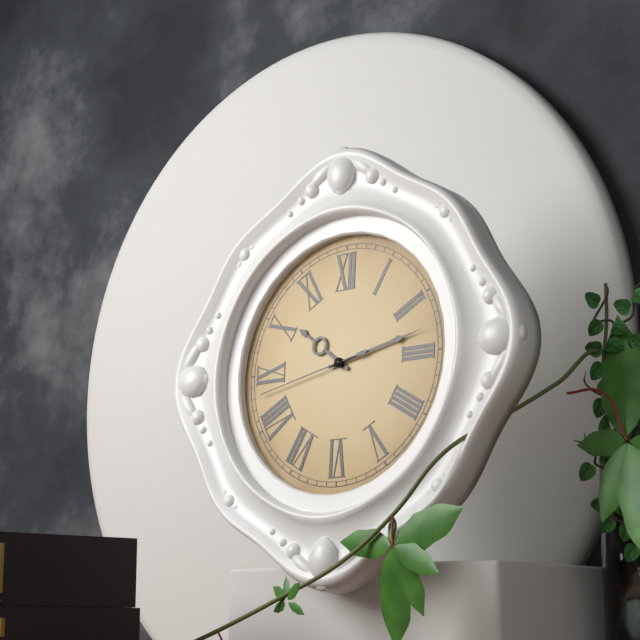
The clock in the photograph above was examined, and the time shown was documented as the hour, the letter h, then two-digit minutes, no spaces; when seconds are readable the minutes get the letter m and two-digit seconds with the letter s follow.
10h13m43s
